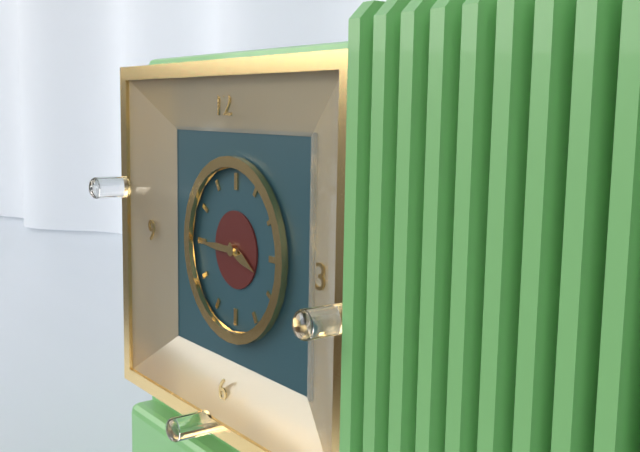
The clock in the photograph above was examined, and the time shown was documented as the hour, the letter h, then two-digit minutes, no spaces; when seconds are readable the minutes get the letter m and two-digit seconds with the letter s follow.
3h45
